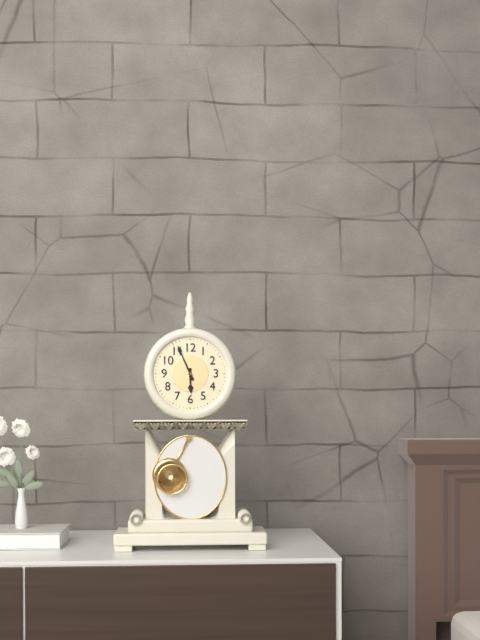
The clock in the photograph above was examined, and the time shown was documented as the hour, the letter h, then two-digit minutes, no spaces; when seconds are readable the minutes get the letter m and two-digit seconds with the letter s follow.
5h56
